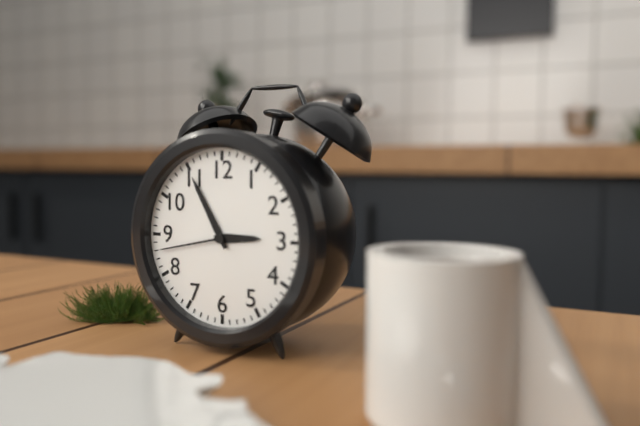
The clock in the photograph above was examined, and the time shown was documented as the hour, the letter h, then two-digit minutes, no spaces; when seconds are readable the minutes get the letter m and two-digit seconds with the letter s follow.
2h55m43s
